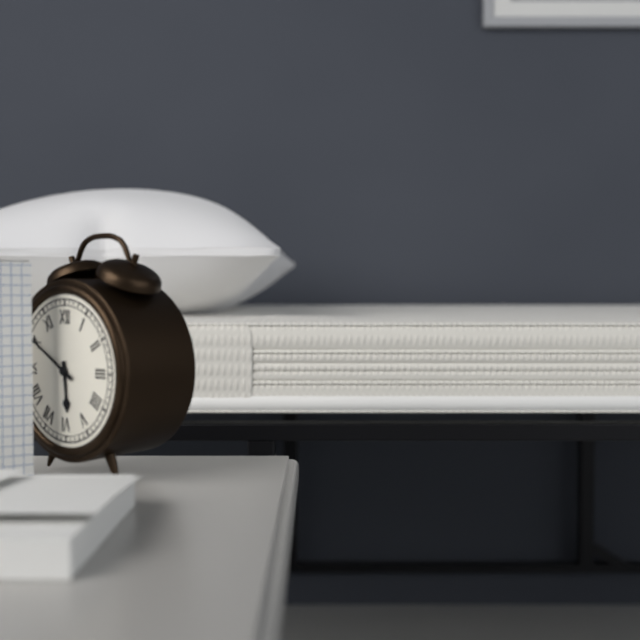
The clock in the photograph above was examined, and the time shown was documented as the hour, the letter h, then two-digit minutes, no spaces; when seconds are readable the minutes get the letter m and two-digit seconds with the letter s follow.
5h50
